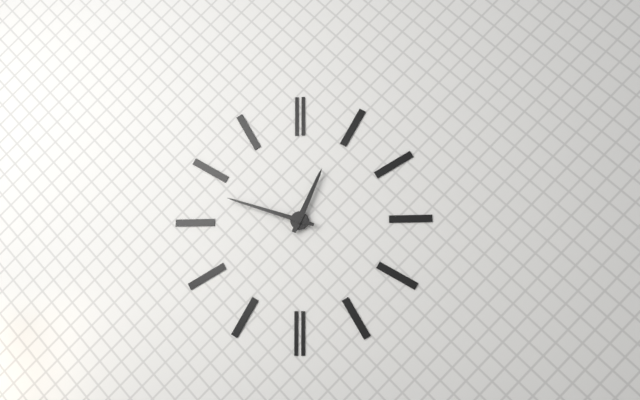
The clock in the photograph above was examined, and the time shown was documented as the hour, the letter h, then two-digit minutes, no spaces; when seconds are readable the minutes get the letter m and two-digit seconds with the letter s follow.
12h48
